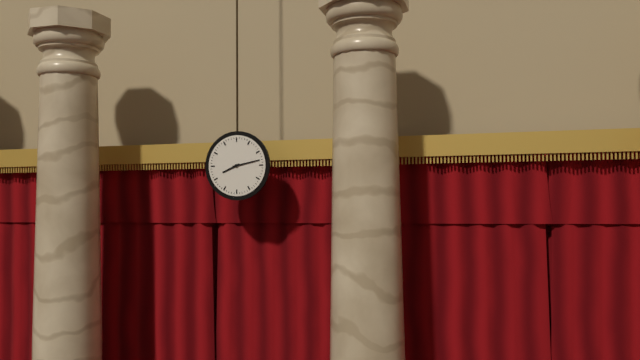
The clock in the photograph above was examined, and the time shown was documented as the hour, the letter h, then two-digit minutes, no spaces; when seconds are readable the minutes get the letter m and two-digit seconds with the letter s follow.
8h13
